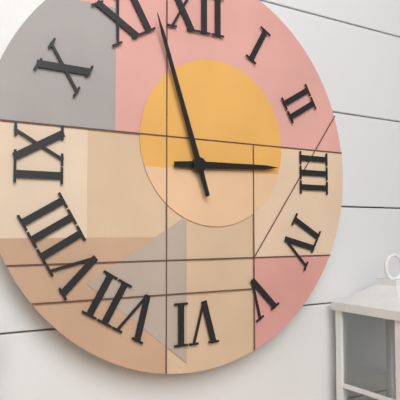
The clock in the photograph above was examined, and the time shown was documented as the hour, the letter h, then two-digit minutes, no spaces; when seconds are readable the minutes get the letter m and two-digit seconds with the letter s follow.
2h57
